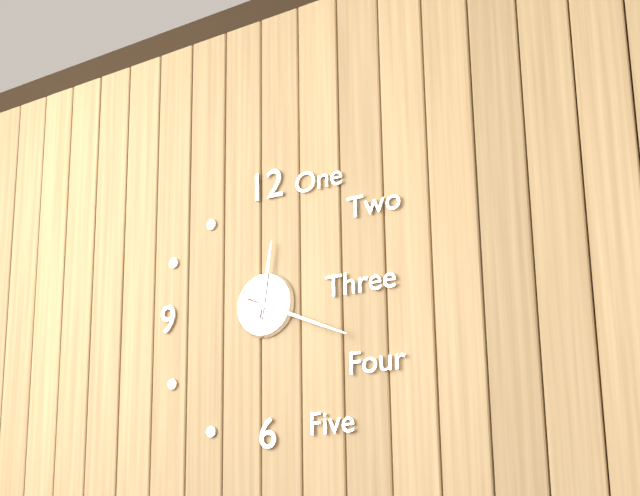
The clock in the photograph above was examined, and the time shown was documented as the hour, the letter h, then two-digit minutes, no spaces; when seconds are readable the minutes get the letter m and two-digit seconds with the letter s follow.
12h19
